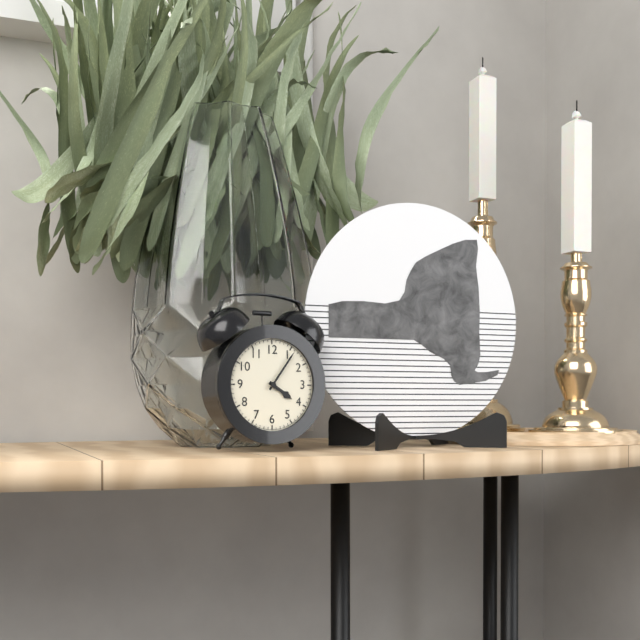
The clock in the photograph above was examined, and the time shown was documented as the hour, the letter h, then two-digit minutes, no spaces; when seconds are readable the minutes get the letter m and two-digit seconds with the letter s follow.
4h06
